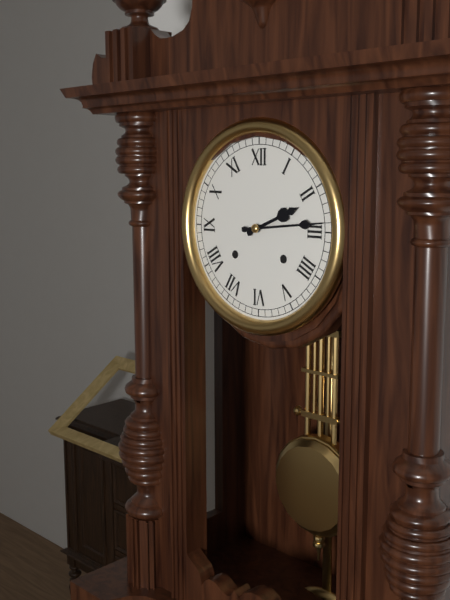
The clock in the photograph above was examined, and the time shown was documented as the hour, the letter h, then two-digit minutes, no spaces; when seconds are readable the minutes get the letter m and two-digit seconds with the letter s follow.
2h14
